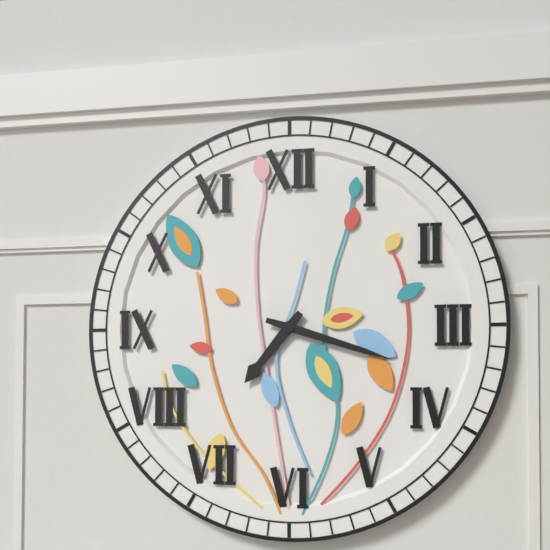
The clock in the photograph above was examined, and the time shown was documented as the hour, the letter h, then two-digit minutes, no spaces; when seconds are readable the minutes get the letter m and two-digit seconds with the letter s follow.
7h18
